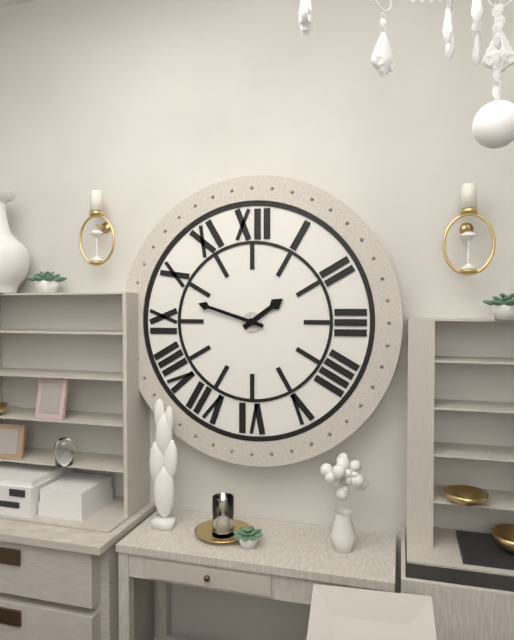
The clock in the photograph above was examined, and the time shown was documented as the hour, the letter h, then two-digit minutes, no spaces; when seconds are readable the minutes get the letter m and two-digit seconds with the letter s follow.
1h48
